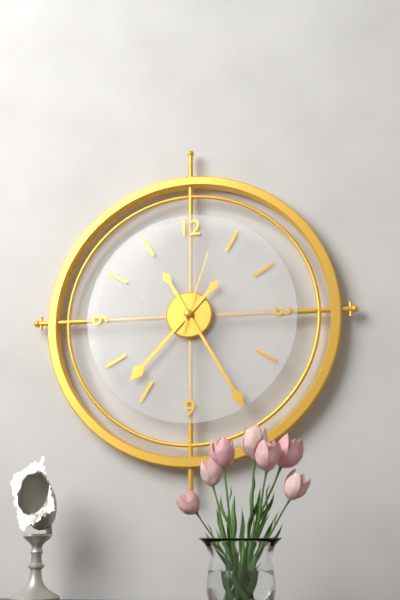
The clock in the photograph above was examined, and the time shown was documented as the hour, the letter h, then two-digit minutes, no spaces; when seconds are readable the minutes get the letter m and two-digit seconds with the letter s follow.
7h25m03s
